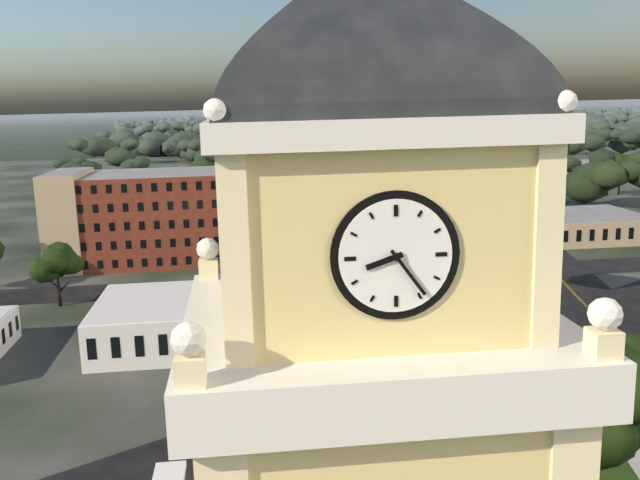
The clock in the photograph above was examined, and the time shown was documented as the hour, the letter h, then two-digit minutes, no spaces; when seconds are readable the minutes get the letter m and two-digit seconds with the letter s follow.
8h24
